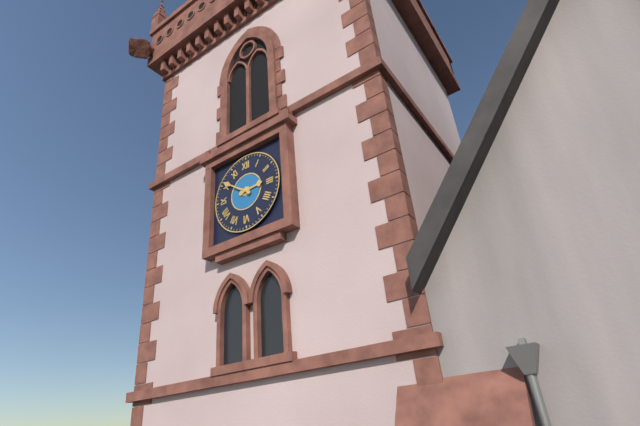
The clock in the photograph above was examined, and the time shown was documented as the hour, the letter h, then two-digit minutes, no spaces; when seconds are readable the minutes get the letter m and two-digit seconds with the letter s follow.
2h51
